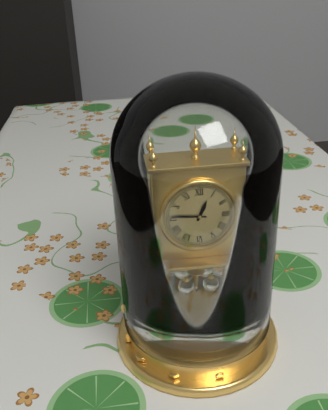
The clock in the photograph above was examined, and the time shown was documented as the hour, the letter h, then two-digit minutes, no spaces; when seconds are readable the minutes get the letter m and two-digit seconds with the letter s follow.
12h46
